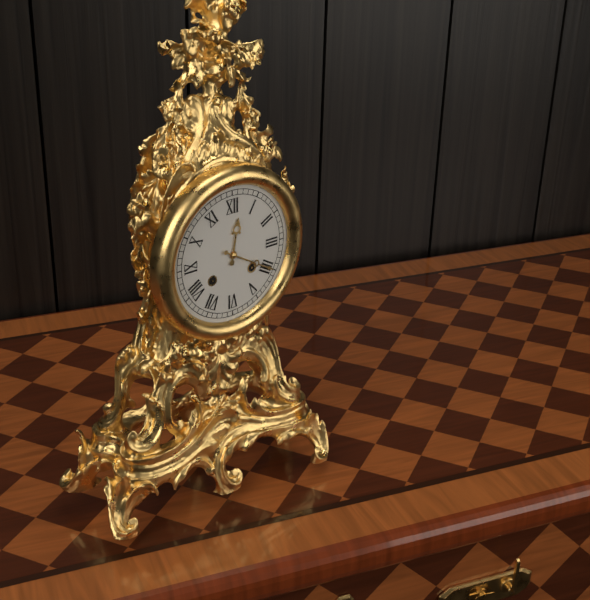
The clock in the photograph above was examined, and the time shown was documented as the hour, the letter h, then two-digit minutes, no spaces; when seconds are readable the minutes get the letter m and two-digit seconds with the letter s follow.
12h20
